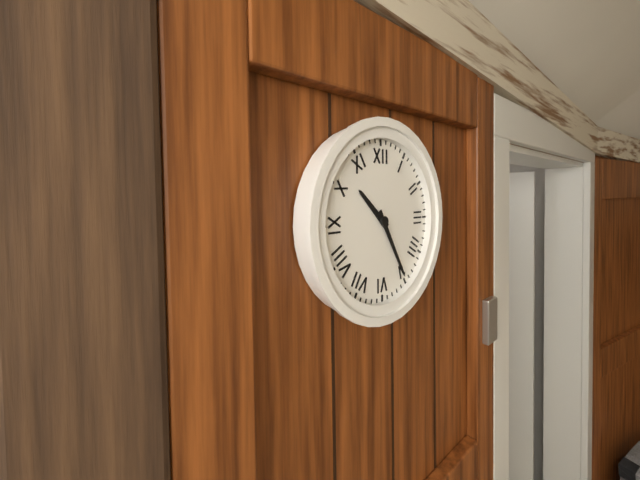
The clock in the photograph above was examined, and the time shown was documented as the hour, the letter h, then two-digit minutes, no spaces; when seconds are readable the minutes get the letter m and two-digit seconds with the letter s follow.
10h25
